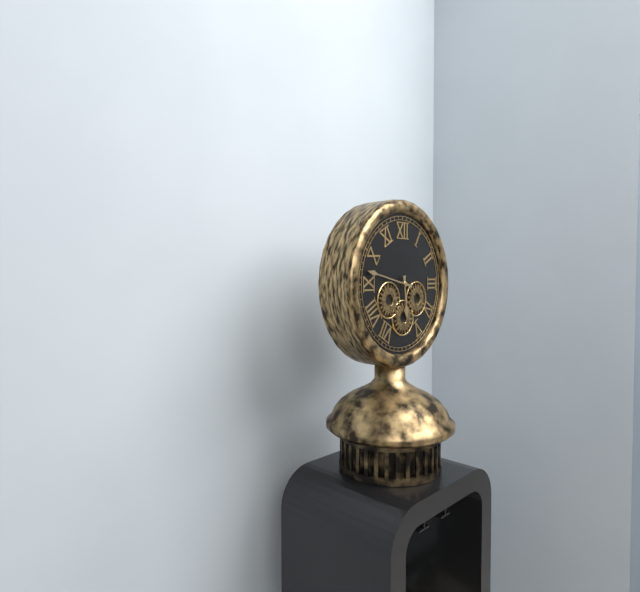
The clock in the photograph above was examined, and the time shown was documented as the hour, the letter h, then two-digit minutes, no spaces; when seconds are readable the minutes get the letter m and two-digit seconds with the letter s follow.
5h47
